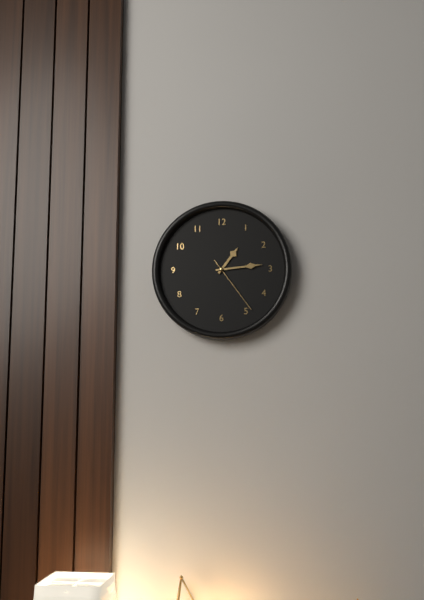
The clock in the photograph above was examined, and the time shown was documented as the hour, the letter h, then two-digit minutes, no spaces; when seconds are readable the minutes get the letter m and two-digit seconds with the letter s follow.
1h14m24s
